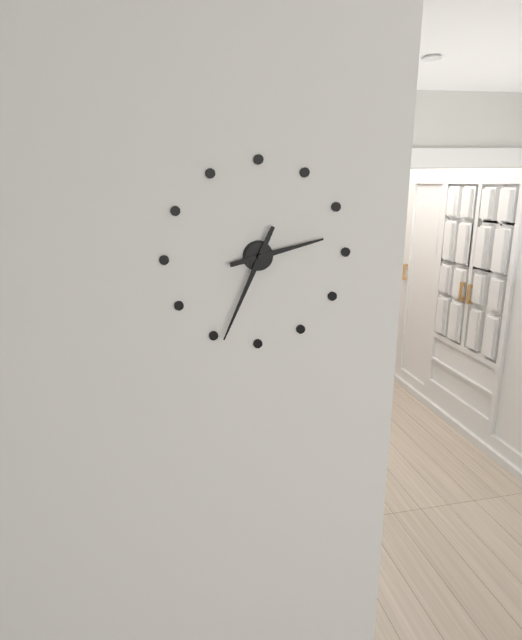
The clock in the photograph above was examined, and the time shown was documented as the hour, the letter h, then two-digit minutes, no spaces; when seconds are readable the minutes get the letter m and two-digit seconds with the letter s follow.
2h34
